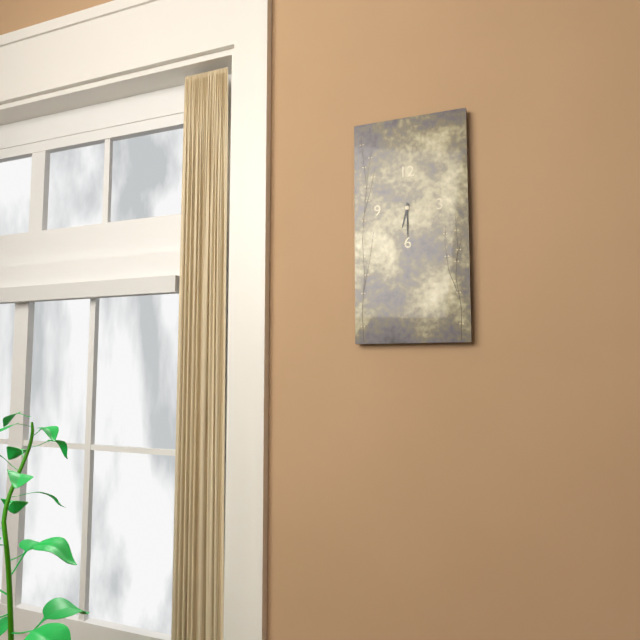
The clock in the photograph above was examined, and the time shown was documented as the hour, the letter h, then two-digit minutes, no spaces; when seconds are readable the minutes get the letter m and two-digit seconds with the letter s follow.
6h30
